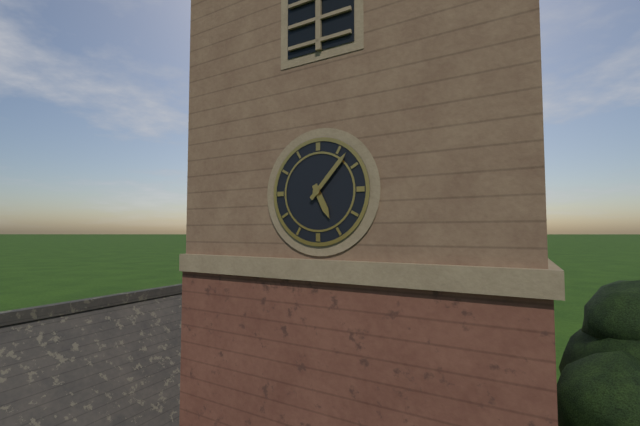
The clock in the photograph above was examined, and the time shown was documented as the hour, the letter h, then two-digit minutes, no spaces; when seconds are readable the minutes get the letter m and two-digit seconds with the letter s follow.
5h07
